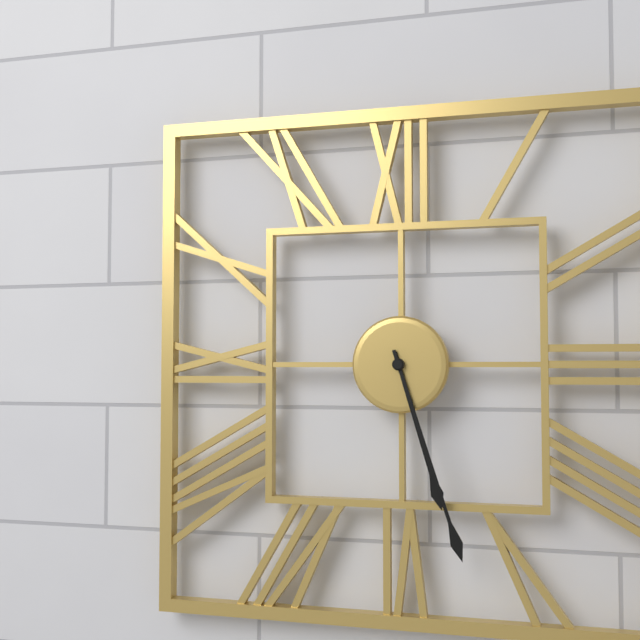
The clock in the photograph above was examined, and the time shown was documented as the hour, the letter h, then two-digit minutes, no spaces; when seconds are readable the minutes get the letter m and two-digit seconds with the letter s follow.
5h27
